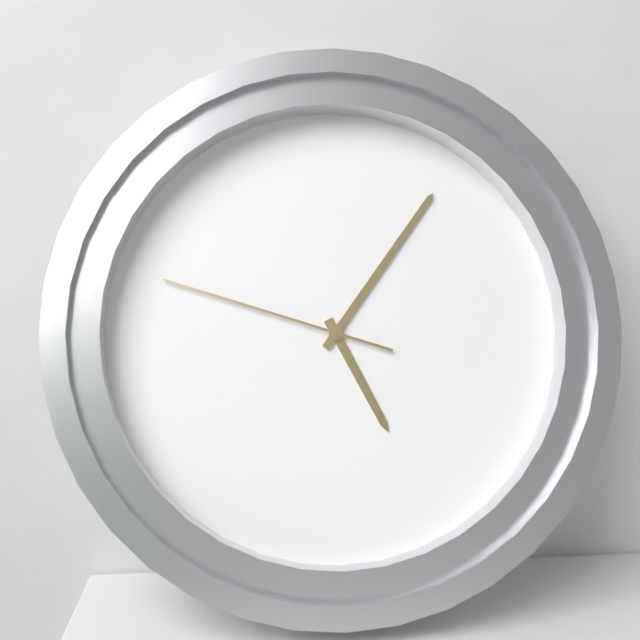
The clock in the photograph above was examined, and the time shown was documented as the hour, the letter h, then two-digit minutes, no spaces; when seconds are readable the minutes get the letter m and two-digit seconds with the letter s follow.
5h06m48s
